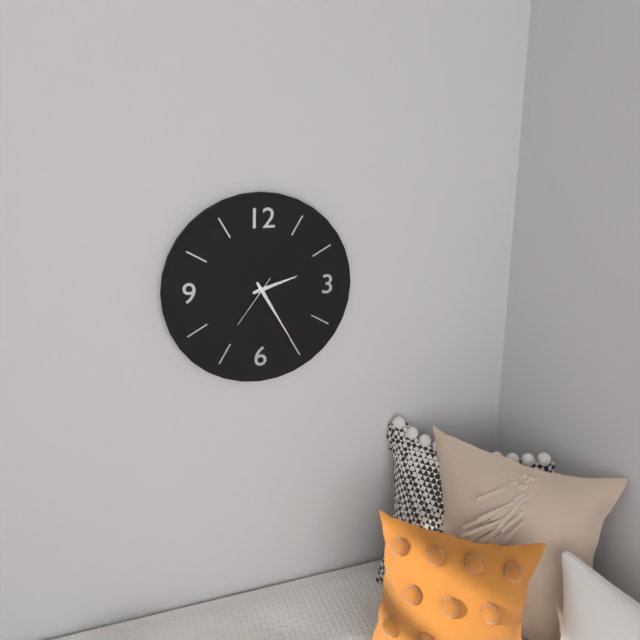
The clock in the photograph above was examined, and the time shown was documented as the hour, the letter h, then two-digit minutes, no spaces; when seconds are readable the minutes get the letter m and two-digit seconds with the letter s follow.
2h25m36s
